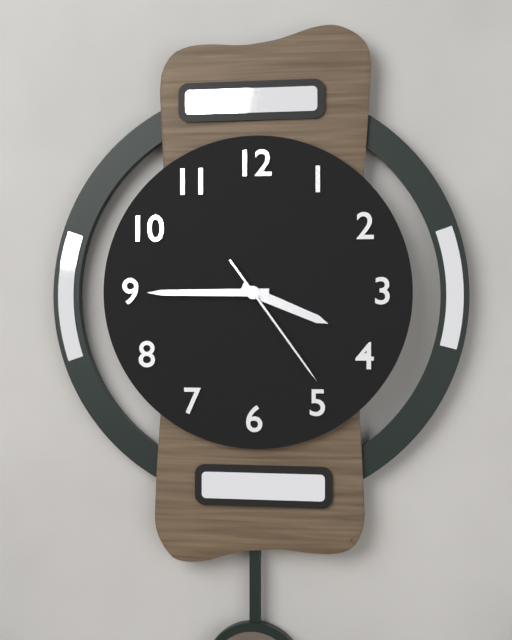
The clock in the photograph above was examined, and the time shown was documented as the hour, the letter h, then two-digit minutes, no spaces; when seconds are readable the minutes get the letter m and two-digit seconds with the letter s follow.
3h45m24s
